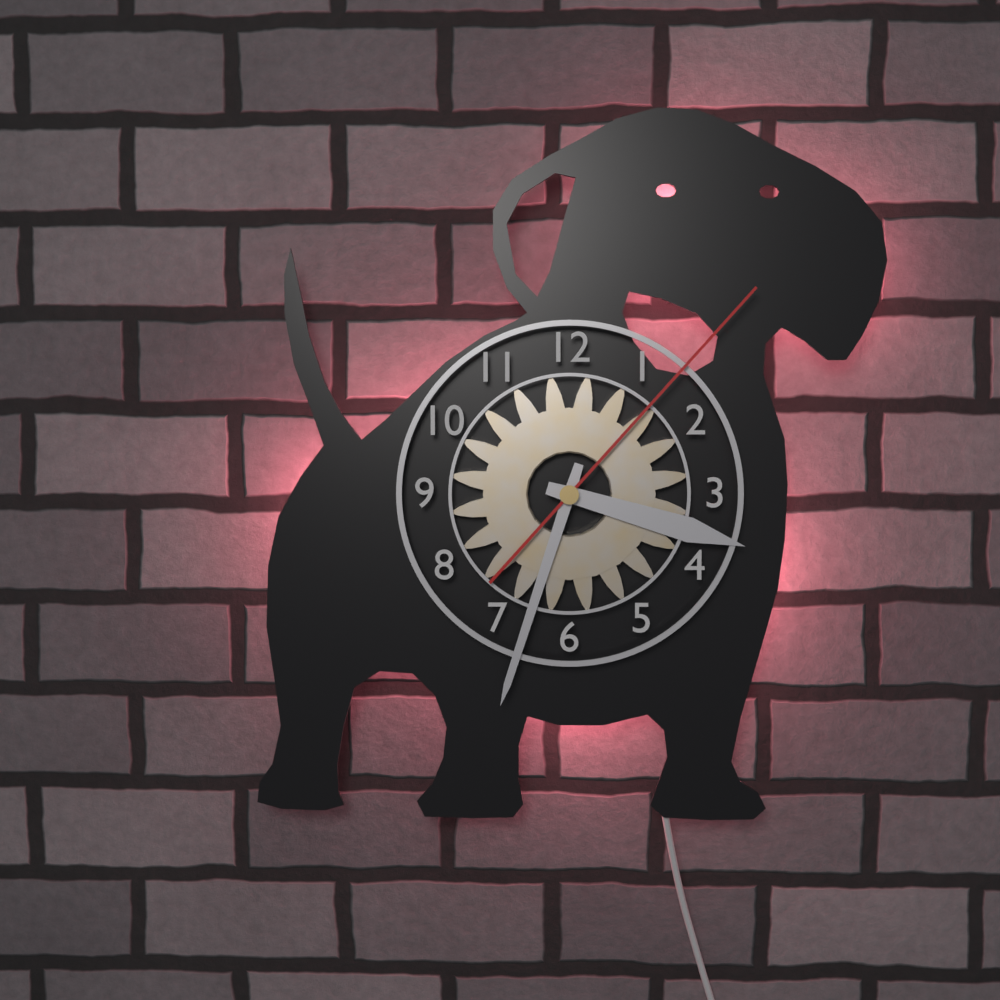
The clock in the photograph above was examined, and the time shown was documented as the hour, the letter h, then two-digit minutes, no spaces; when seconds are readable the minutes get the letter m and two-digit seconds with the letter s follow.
3h33m07s
